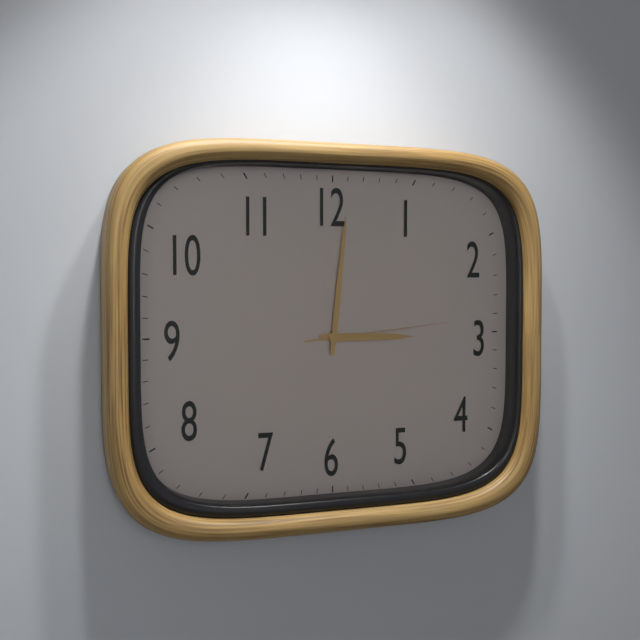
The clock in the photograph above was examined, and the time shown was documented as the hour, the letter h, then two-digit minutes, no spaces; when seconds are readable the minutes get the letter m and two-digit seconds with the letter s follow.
3h01m14s
